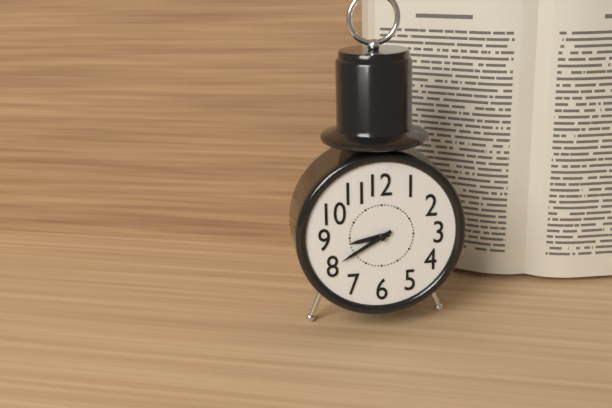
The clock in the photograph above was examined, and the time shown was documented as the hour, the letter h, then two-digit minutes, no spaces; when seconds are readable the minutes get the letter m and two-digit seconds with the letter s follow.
8h40
